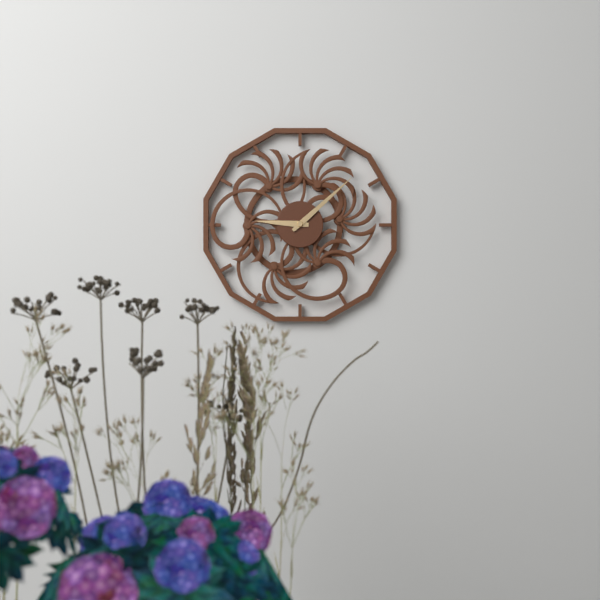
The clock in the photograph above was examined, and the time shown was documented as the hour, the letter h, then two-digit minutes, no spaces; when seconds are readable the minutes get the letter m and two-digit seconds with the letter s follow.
9h08
